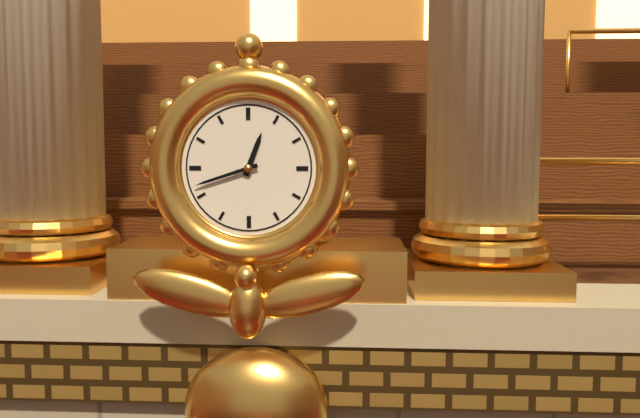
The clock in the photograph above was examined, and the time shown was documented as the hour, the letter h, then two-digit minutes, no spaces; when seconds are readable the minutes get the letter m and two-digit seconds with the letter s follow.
12h42
